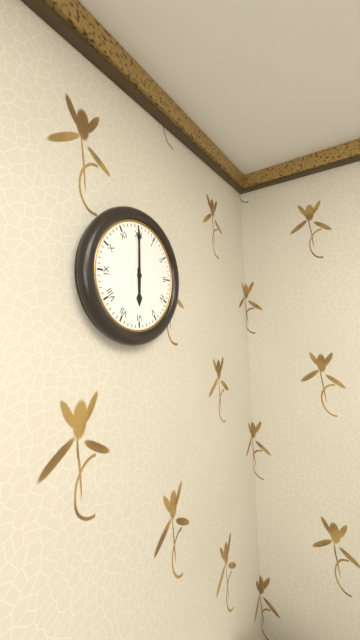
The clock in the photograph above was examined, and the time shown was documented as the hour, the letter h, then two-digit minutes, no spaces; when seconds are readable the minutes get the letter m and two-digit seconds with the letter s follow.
6h00
